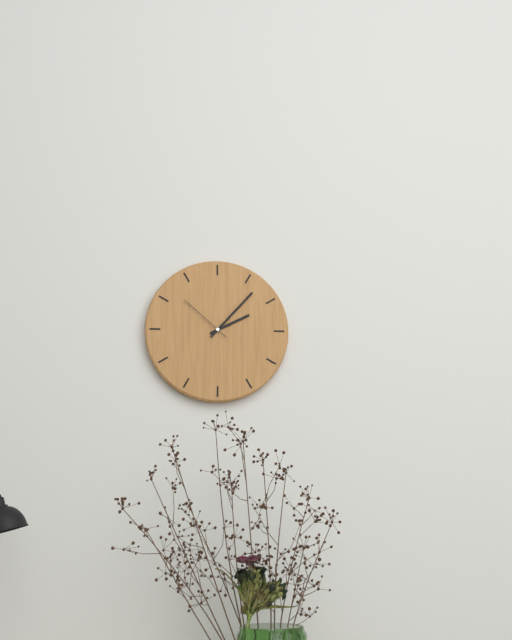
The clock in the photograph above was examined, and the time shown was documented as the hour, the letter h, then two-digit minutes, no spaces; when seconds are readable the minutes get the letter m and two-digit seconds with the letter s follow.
2h07m52s
